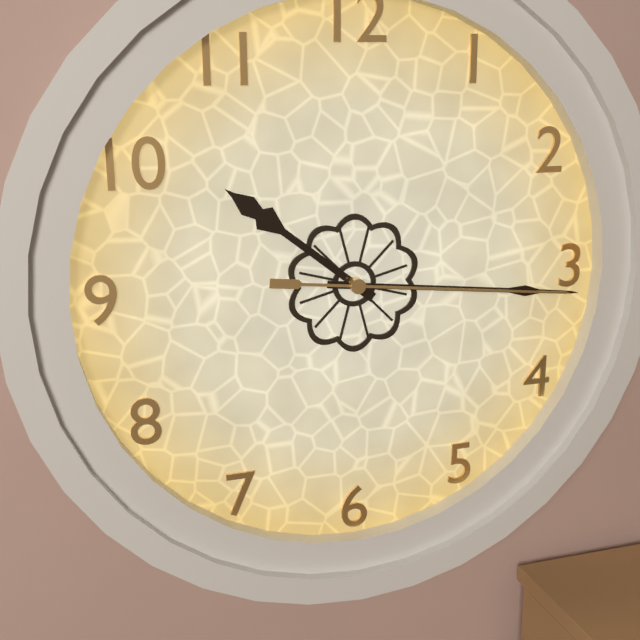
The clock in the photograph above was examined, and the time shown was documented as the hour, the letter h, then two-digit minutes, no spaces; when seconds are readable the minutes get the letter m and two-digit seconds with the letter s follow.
10h16m16s
